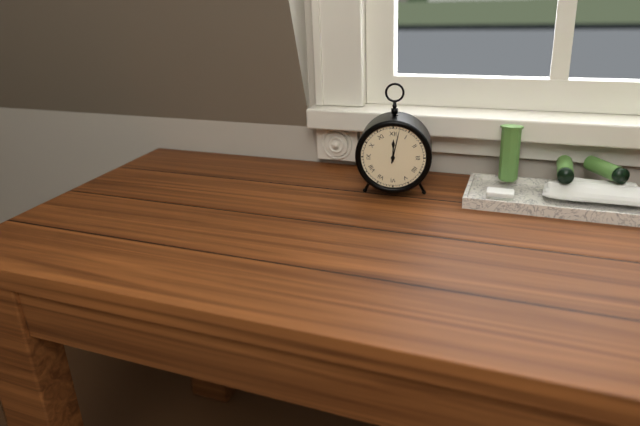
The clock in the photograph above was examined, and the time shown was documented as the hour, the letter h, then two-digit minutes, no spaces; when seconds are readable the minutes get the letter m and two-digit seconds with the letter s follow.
12h02
